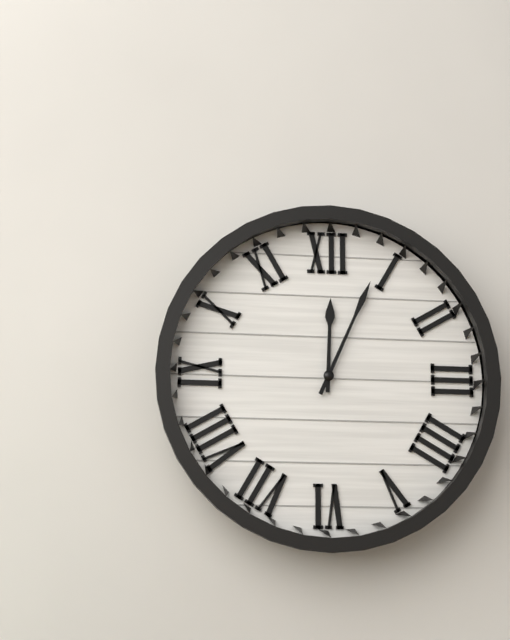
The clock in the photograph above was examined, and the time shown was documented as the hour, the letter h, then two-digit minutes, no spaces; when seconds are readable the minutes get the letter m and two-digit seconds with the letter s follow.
12h04
